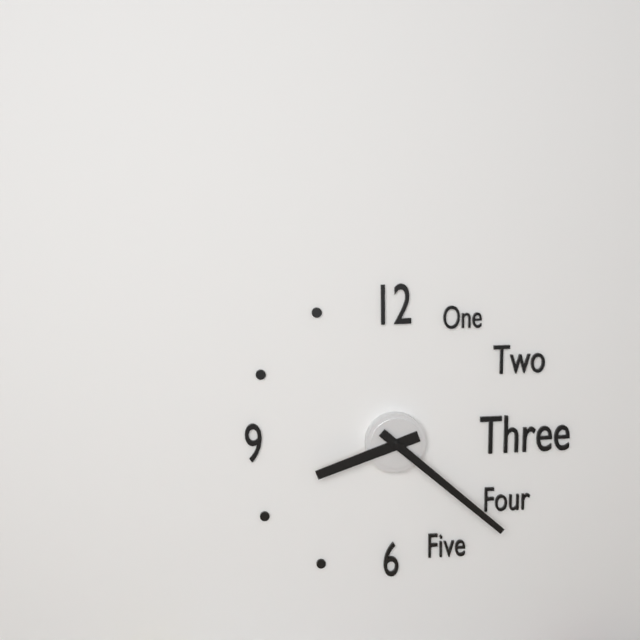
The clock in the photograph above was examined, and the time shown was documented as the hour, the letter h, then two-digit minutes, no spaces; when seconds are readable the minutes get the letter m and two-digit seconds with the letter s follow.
8h22
